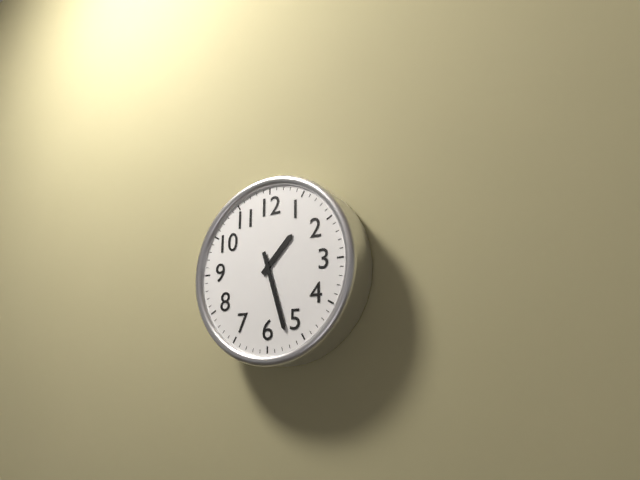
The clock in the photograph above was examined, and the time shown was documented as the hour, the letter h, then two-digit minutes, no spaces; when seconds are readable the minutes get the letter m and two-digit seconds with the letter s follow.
1h27
